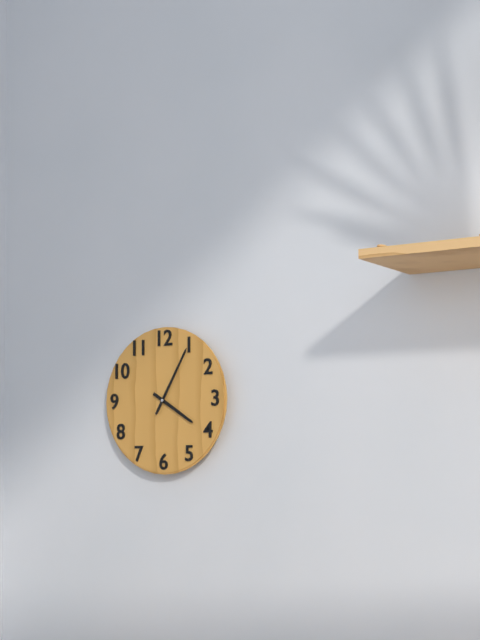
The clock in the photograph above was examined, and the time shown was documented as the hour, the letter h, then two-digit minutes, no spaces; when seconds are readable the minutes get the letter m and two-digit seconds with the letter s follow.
4h05
